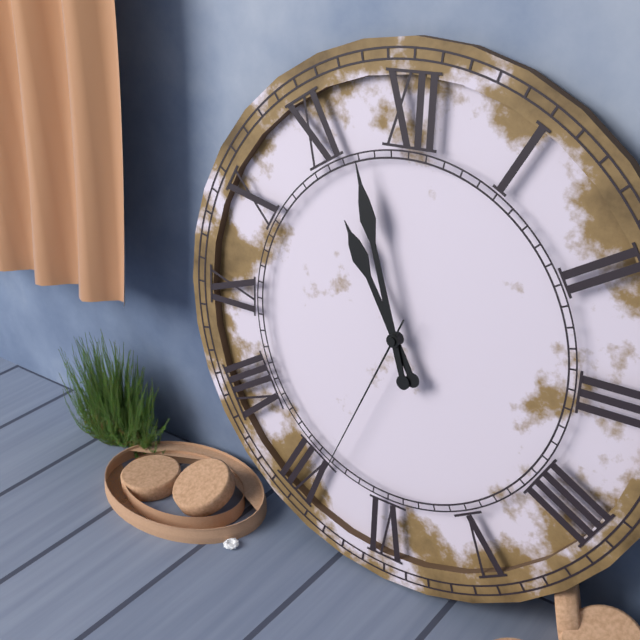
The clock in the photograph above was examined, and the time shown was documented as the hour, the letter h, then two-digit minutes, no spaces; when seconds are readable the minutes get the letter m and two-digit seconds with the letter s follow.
10h57m34s
